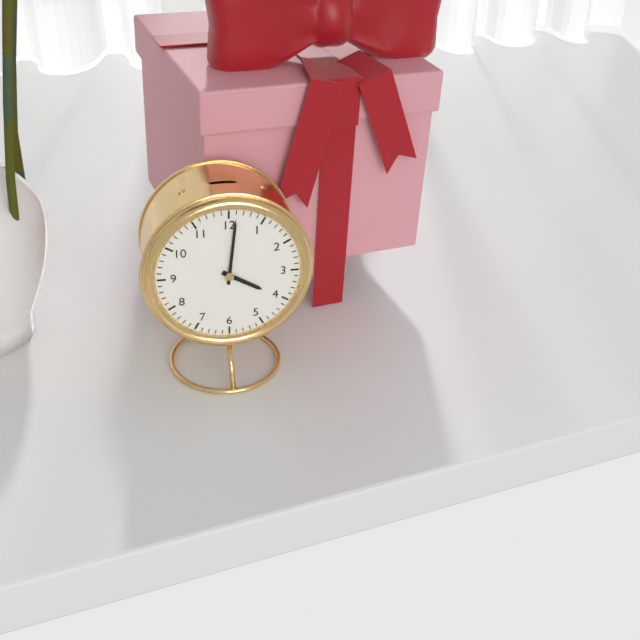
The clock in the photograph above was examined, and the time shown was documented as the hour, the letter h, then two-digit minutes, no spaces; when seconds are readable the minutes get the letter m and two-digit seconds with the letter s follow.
4h01
